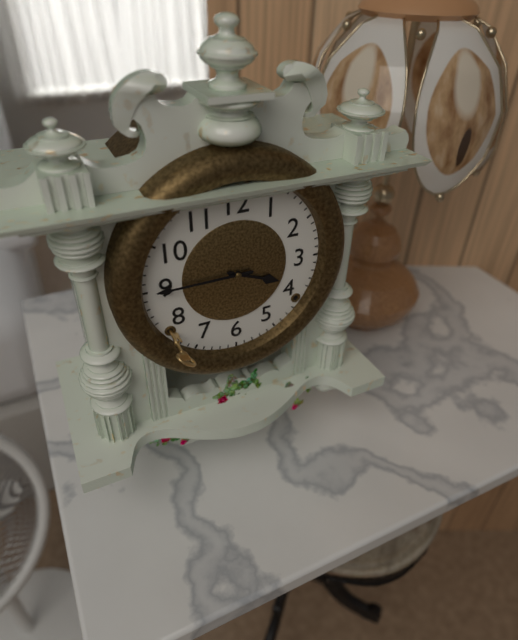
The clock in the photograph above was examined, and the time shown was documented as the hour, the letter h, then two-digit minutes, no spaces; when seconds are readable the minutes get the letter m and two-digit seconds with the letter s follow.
3h45
